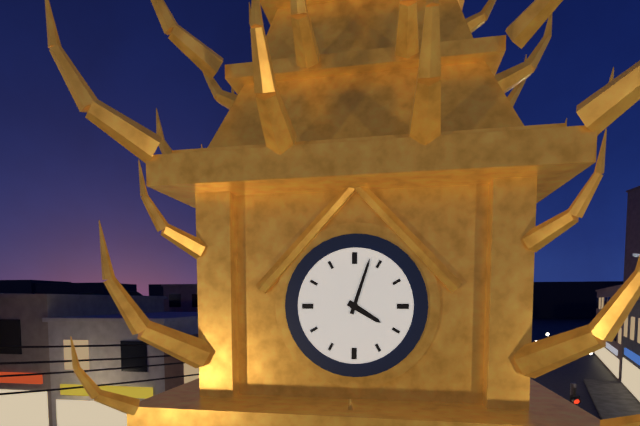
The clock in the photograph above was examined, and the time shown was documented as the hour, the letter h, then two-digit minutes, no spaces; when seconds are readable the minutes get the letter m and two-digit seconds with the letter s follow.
4h03
